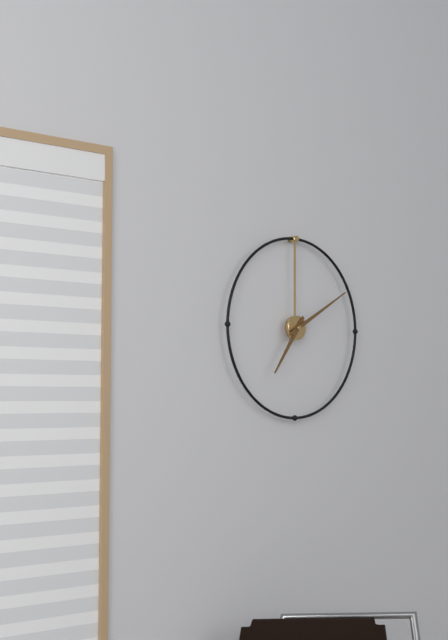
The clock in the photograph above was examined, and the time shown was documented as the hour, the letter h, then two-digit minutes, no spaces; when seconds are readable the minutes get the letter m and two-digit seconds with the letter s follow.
7h10
